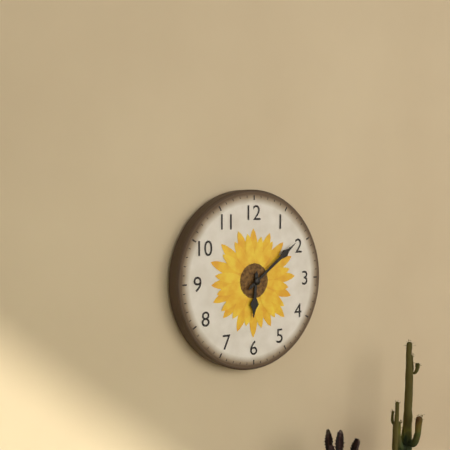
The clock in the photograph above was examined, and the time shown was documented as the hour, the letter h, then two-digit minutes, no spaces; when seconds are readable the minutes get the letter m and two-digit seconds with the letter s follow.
6h09
